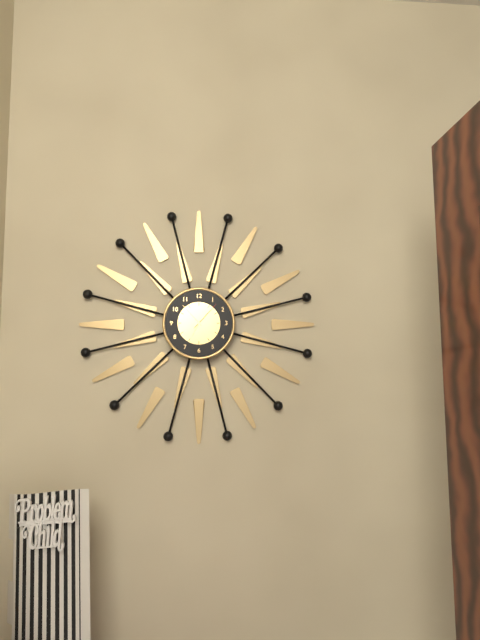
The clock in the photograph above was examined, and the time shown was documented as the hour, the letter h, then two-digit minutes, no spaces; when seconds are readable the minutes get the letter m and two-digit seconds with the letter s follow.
6h53
